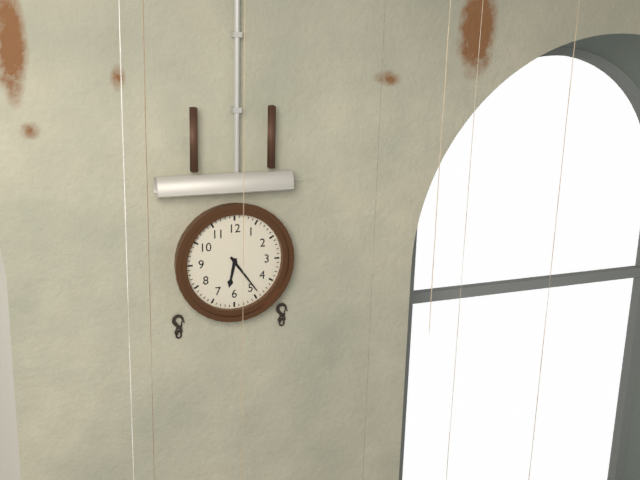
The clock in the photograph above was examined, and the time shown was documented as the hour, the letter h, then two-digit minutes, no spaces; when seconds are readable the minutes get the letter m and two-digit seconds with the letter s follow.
6h24
